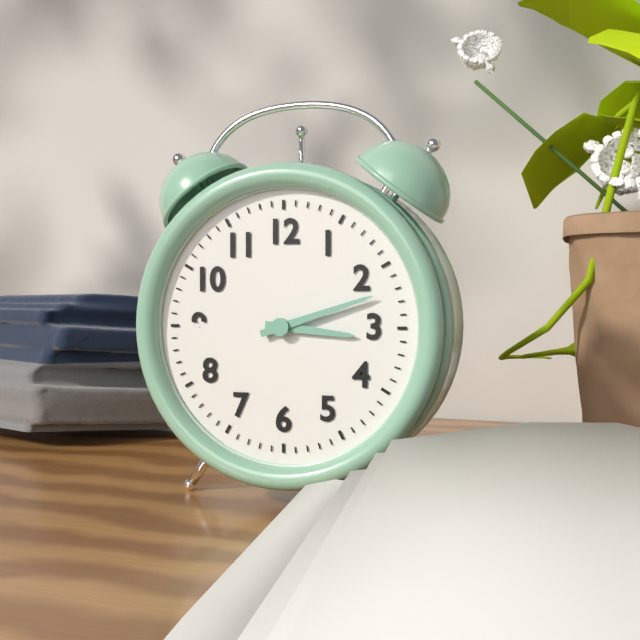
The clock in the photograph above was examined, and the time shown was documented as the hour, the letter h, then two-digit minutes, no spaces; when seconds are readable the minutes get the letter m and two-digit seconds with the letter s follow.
3h12
